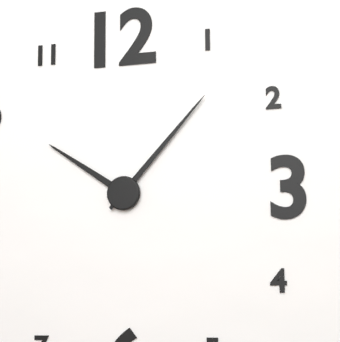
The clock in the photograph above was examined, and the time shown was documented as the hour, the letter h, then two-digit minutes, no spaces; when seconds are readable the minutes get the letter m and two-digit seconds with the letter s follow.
10h07
